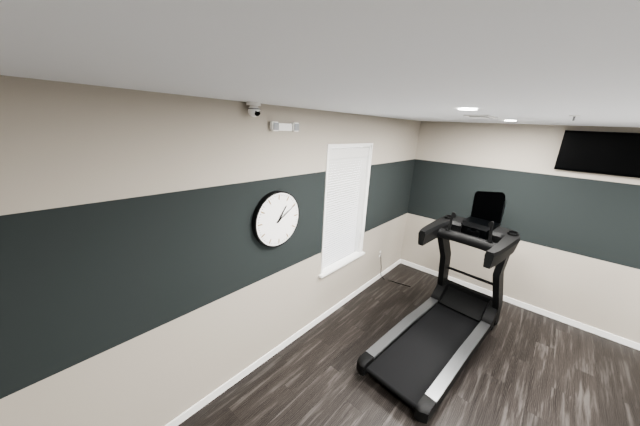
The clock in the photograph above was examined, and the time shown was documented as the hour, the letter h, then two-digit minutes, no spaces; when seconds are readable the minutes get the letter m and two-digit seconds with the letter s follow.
1h10
